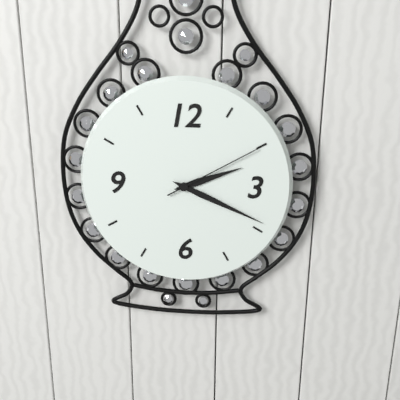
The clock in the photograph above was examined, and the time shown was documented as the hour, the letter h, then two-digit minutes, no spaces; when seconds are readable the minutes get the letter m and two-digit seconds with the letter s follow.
2h19m10s
